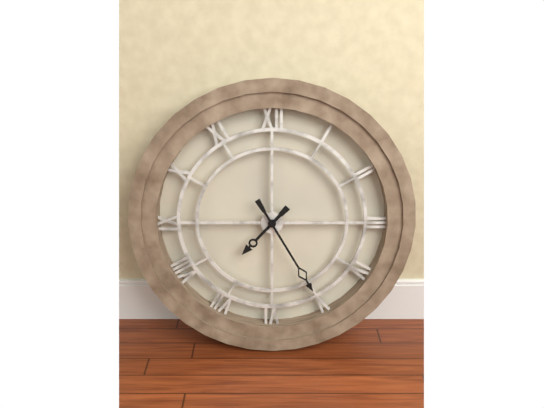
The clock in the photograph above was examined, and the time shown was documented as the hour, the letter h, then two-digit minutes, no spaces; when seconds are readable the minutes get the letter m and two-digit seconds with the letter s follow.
7h25
